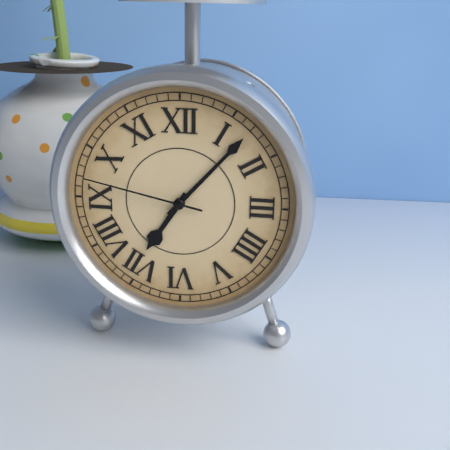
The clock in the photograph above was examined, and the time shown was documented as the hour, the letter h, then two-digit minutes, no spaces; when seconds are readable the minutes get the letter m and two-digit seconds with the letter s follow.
7h07m47s
